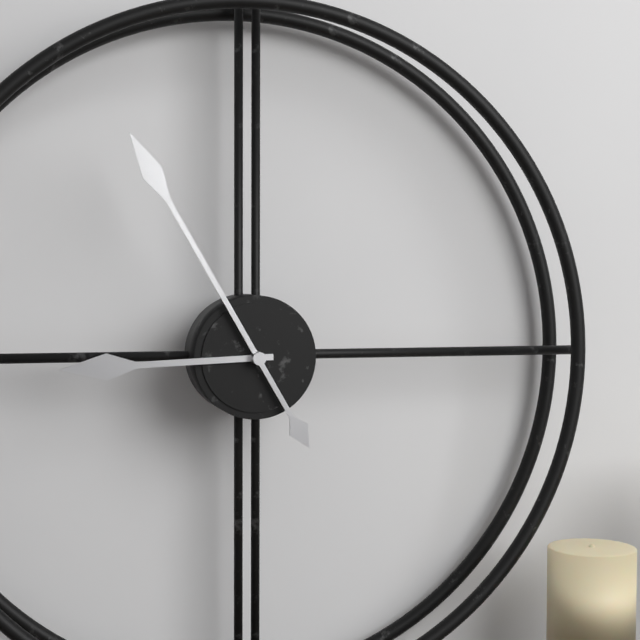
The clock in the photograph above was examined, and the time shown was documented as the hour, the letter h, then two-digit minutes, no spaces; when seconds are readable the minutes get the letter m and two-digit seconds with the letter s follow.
8h55
